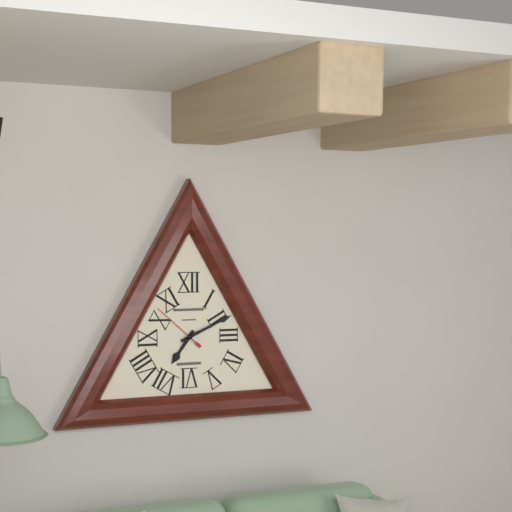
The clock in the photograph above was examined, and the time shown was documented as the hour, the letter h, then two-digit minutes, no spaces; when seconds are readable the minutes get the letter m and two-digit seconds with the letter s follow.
7h11m52s
